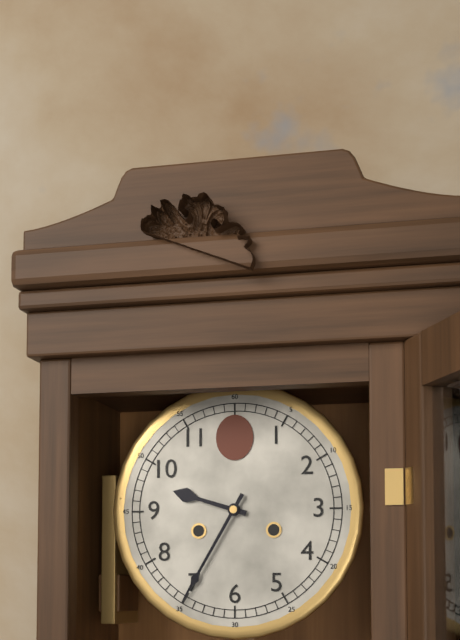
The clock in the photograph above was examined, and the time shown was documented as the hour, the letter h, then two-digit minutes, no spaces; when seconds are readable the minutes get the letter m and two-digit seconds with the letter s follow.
9h35
